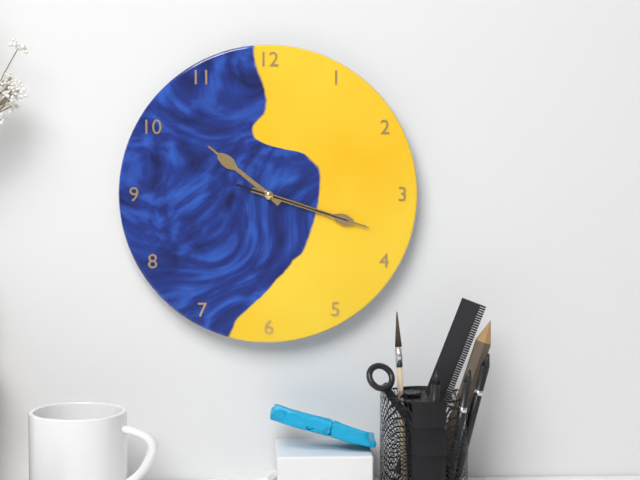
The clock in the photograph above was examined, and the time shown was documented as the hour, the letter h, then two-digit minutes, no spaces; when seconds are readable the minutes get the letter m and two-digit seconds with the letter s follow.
10h18m18s
